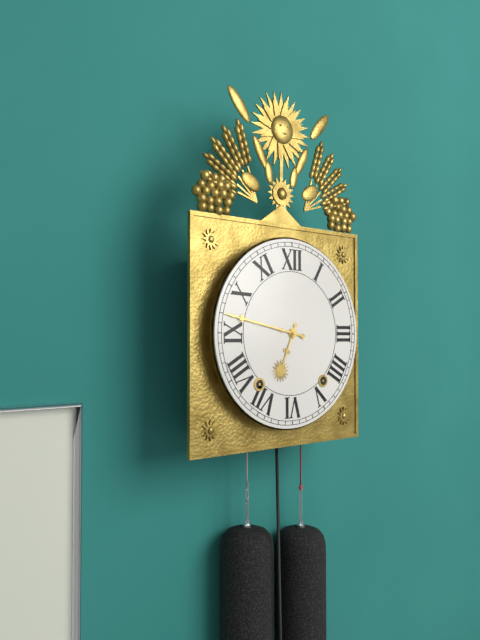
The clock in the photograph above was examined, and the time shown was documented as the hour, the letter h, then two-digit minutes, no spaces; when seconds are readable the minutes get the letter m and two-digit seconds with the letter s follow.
6h47
